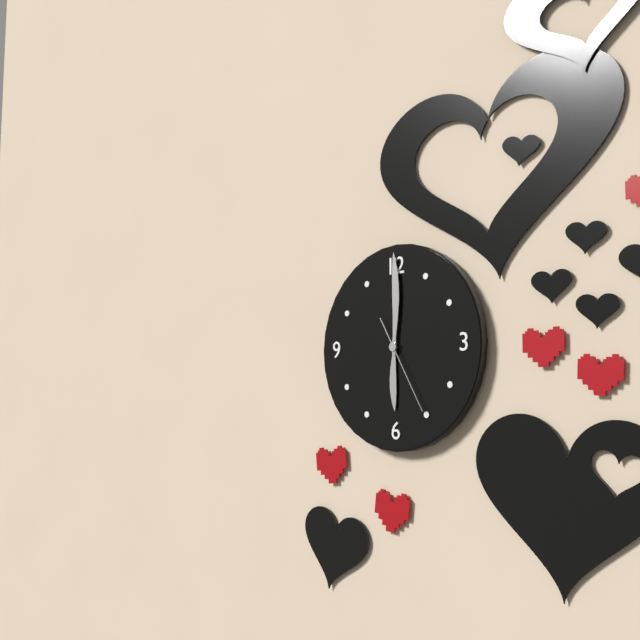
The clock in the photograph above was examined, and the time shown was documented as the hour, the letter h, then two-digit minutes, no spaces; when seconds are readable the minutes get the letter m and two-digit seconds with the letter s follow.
6h00m25s
